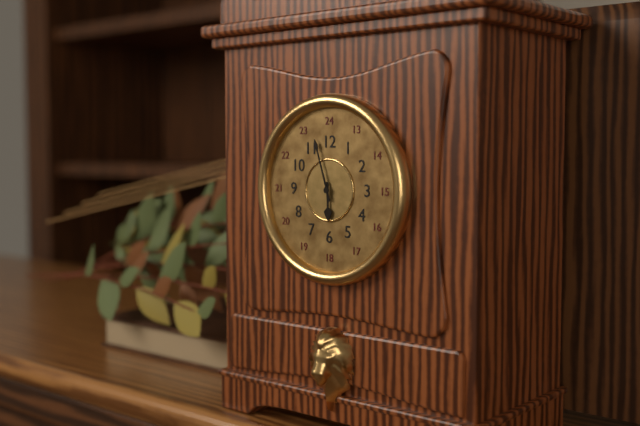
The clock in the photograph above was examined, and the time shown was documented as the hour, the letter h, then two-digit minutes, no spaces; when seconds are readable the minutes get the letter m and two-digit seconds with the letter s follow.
5h57
